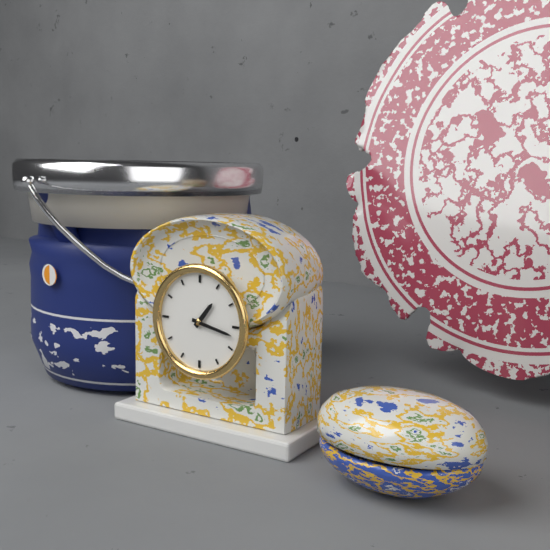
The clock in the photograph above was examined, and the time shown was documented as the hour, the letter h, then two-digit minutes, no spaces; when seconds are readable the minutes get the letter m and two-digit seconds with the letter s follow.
1h17
